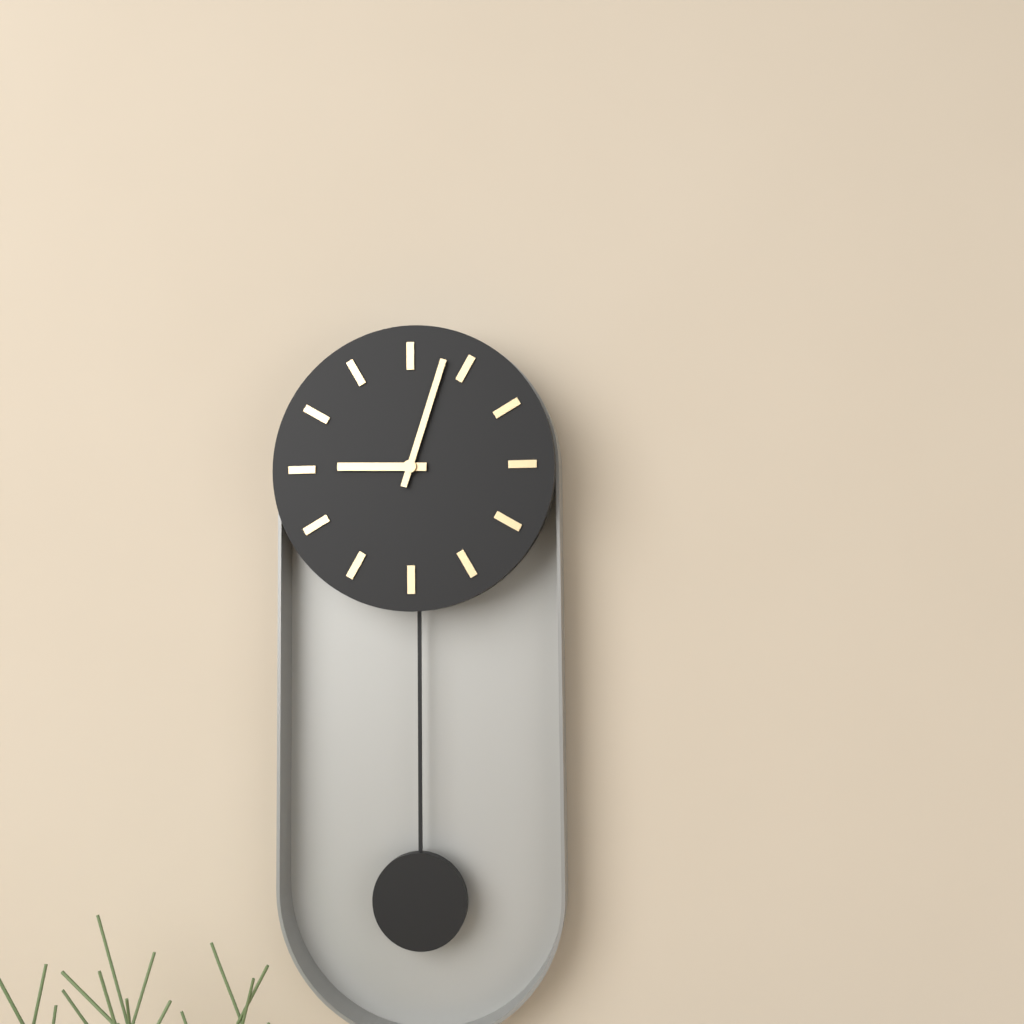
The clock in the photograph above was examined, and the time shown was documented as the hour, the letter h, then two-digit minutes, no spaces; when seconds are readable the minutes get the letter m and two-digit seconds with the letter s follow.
9h03
